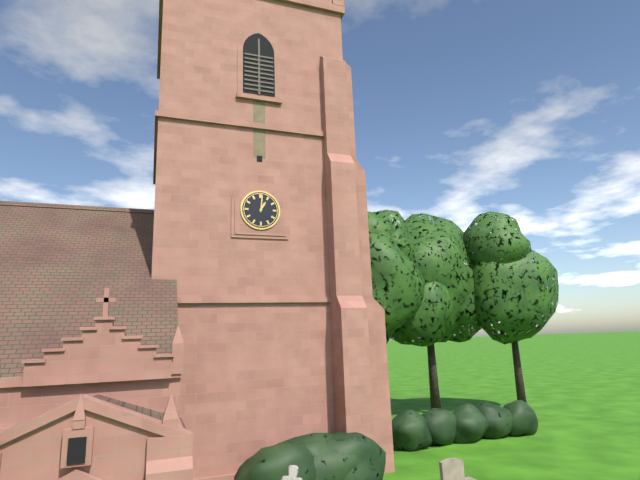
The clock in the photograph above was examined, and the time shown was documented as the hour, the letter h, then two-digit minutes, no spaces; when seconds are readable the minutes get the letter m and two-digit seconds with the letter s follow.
1h01
